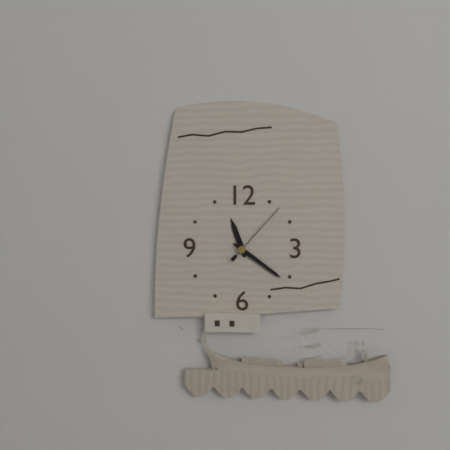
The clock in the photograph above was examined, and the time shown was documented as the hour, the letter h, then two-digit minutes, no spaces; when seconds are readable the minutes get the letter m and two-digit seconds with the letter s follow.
11h21m07s
